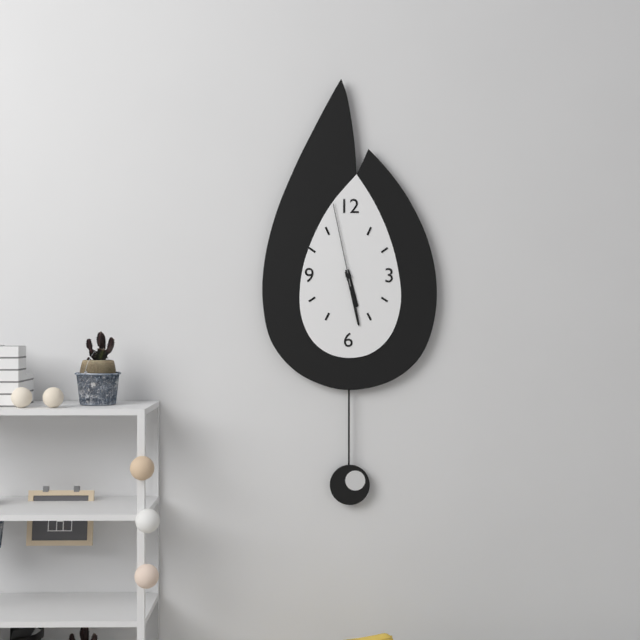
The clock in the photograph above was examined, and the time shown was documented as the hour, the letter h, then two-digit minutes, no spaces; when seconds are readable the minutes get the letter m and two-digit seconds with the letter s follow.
5h28m58s
